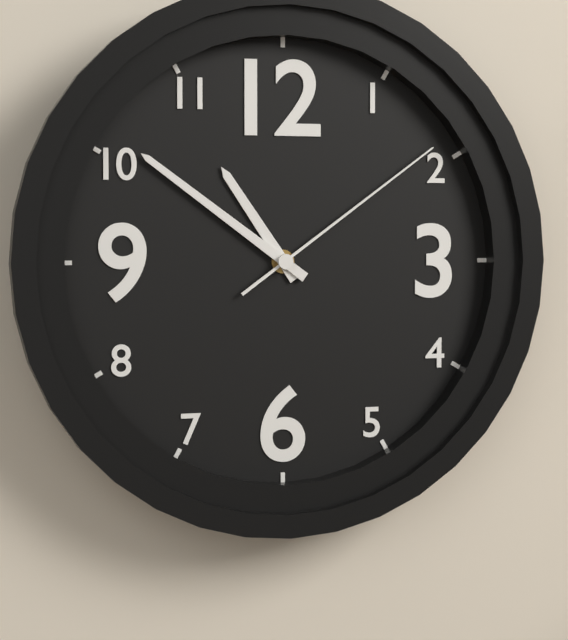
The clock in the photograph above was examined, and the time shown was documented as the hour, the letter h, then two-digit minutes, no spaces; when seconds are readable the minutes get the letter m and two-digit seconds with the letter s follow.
10h51m09s
